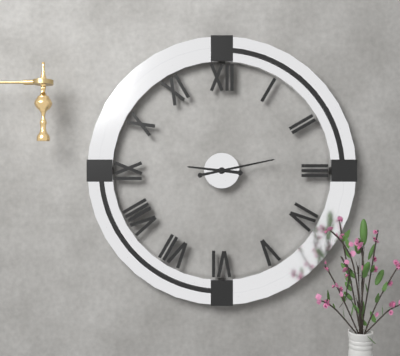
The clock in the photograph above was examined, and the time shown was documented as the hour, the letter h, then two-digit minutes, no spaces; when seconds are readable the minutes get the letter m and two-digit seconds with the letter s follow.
9h13
